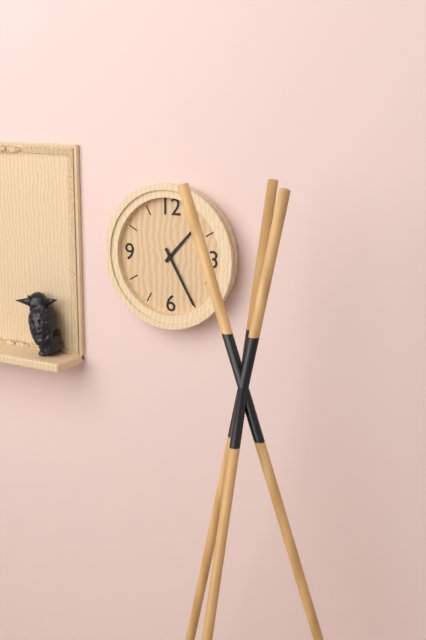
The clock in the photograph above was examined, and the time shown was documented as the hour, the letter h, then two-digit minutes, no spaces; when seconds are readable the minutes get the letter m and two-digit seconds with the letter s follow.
1h25
